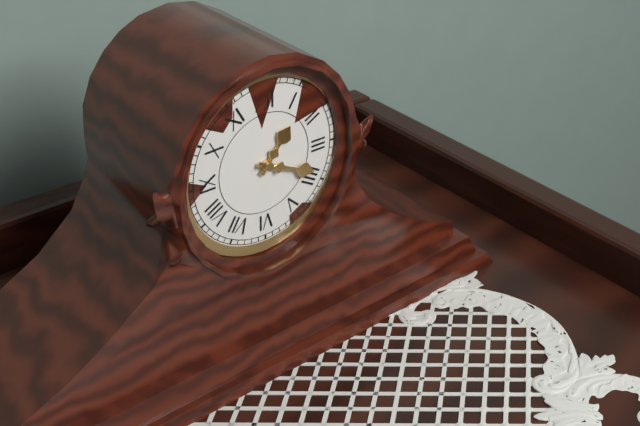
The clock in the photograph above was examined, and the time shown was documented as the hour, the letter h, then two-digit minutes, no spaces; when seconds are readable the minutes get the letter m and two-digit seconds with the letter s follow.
1h19
